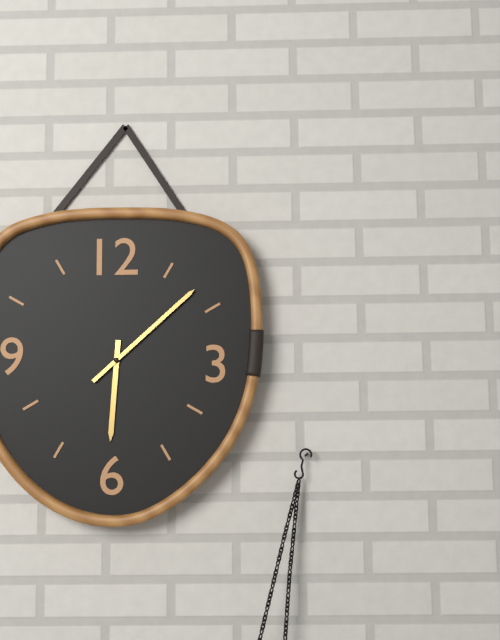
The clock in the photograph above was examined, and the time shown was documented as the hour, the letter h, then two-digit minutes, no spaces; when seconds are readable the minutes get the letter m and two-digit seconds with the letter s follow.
6h08
